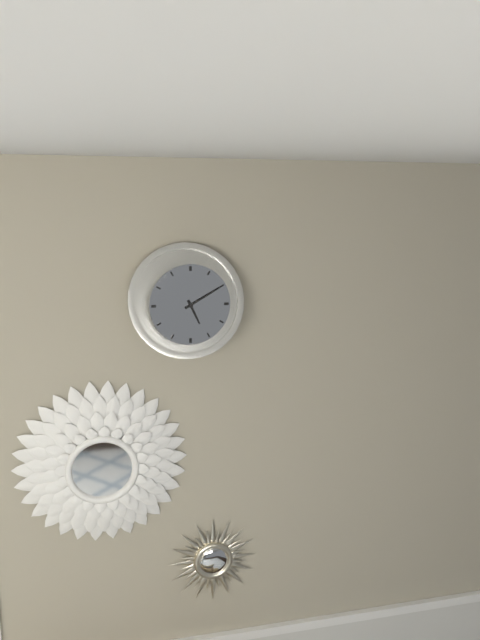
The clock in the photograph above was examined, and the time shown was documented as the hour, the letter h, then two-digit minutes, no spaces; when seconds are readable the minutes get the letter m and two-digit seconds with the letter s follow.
5h10
